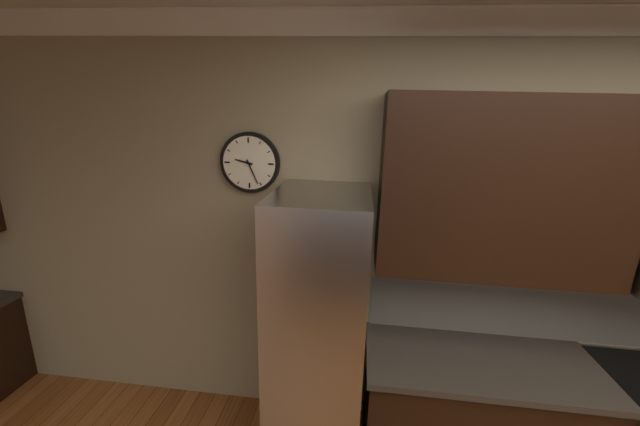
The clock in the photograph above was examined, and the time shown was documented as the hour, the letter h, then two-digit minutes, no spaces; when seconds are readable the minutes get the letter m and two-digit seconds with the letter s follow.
9h26
